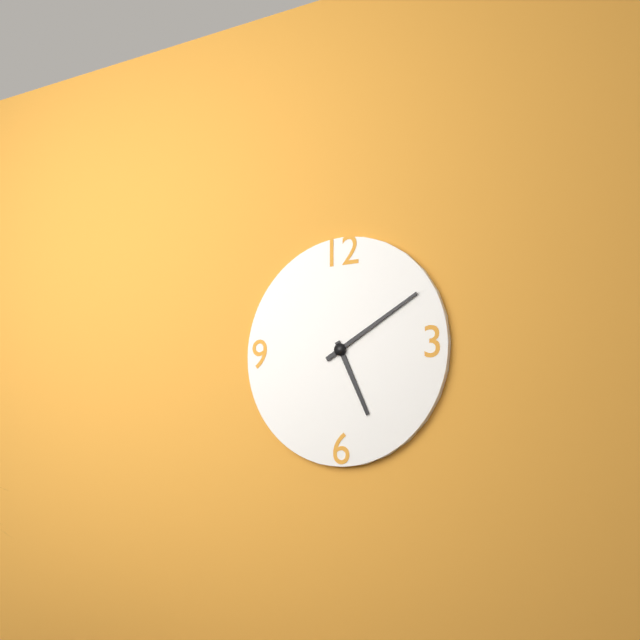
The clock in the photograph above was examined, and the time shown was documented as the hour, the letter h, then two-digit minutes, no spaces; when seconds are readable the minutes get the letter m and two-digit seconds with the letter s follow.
5h10
